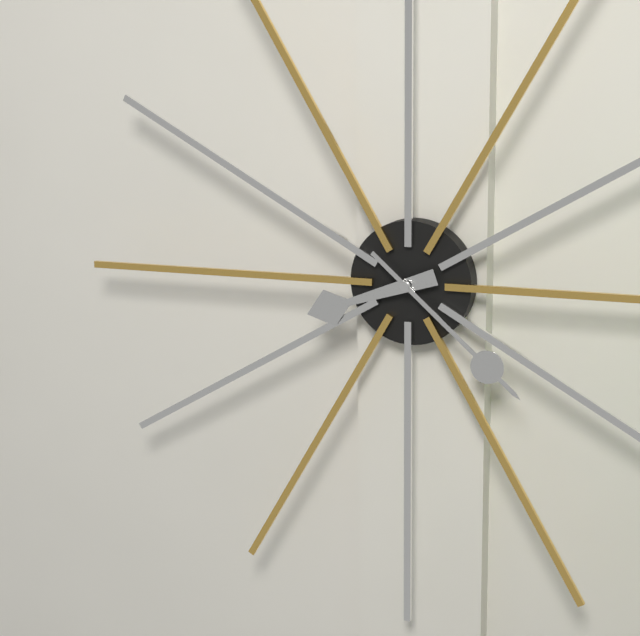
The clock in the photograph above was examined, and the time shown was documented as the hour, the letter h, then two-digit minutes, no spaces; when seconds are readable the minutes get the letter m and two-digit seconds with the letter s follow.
8h22
